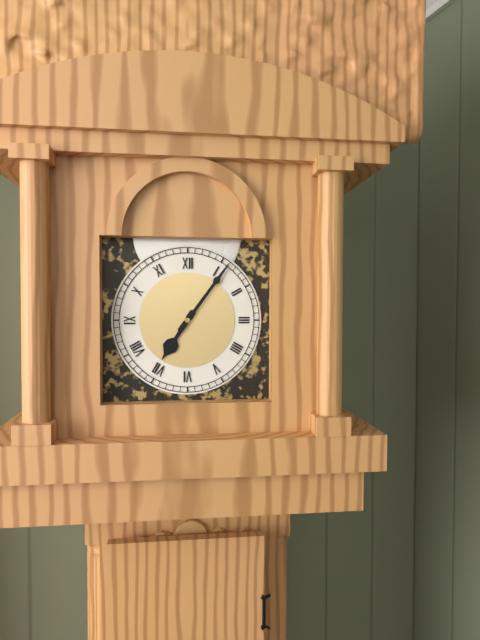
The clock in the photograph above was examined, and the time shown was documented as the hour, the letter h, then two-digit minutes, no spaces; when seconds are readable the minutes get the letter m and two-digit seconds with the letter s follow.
7h06
